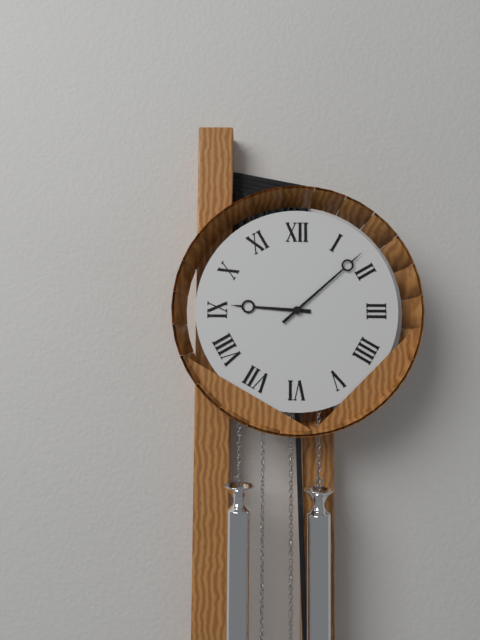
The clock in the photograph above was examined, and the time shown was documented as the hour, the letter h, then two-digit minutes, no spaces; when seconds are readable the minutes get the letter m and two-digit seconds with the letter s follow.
9h08
